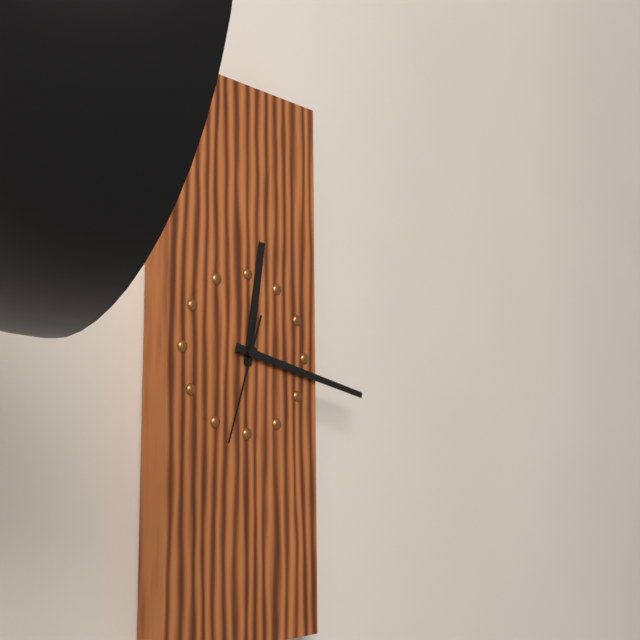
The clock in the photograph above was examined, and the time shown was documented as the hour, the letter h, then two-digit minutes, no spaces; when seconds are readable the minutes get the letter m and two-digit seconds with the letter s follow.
12h17m33s
